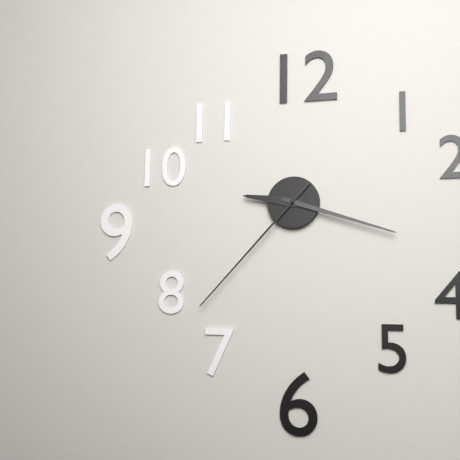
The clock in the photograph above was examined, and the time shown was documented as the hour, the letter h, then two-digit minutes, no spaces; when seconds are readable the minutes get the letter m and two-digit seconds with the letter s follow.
9h18m37s
